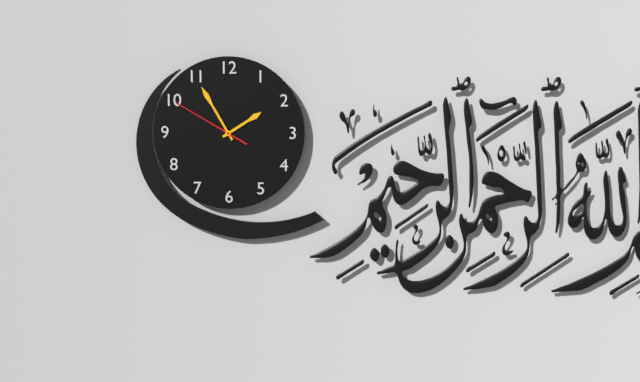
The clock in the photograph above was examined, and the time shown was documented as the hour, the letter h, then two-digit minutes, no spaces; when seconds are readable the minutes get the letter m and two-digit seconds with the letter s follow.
1h55m50s
